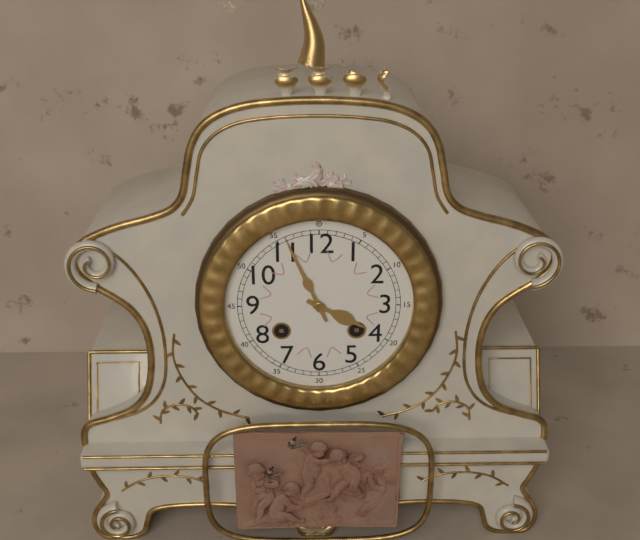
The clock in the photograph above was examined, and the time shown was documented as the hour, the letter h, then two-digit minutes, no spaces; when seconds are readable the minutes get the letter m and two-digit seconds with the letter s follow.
3h56
